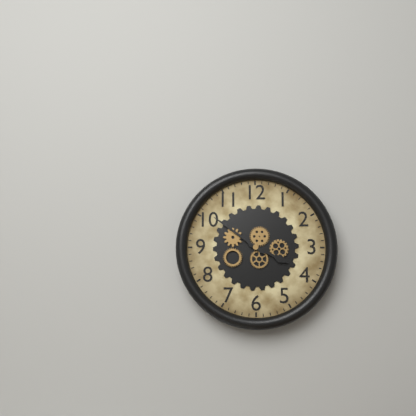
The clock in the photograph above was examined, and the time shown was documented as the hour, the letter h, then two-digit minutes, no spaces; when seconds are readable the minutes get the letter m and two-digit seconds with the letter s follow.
3h51
